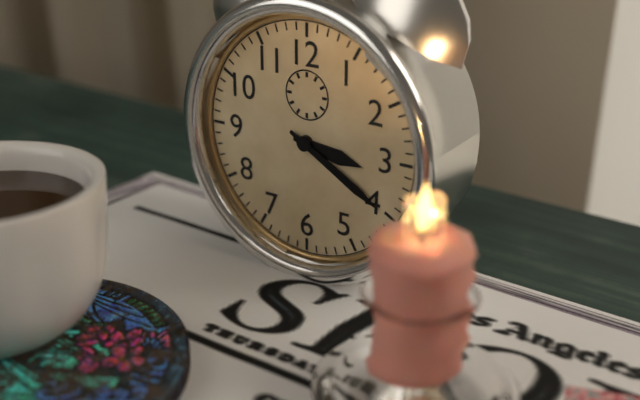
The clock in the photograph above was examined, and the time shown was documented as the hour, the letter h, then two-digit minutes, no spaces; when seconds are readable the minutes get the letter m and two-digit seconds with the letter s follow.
3h20
